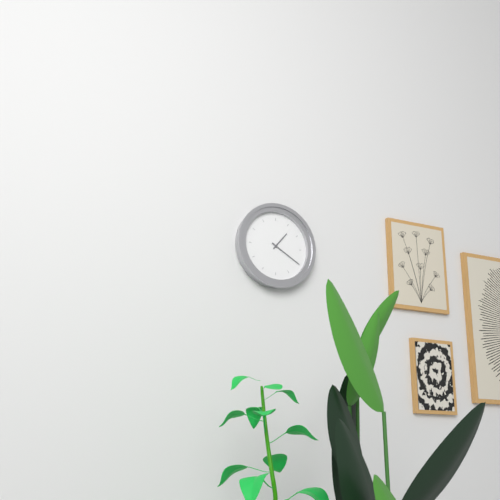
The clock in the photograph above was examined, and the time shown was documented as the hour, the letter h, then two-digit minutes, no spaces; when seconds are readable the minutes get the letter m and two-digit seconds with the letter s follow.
1h20
